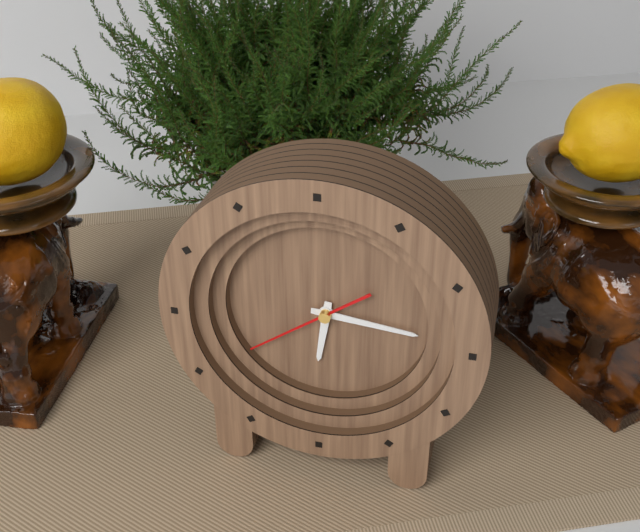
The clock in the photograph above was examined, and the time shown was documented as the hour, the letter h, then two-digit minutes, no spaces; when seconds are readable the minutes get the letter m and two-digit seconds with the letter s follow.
6h16m39s
